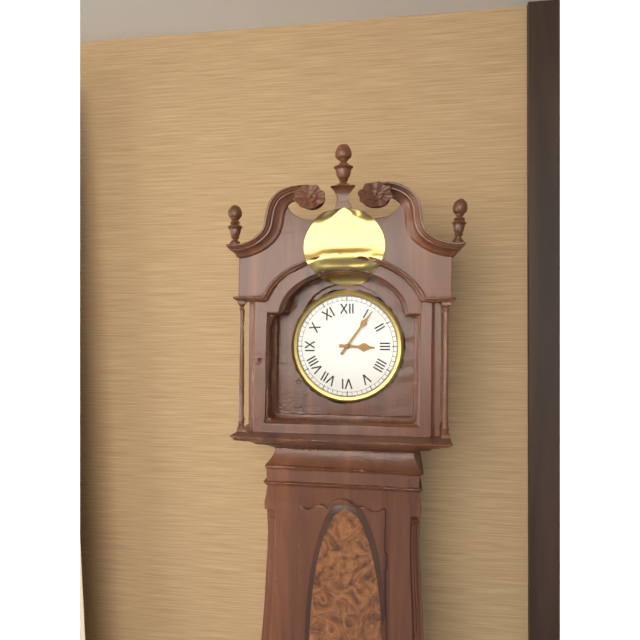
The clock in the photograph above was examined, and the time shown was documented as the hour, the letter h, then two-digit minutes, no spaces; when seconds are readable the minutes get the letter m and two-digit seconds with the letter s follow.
3h06
